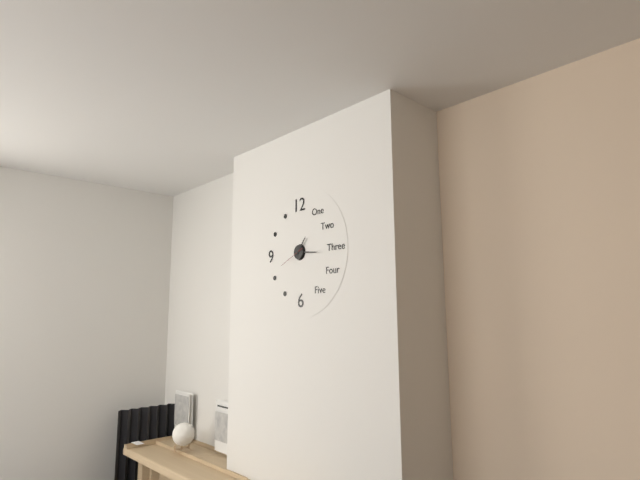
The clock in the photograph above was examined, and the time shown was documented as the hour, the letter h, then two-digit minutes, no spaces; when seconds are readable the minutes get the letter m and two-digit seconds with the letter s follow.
1h16
